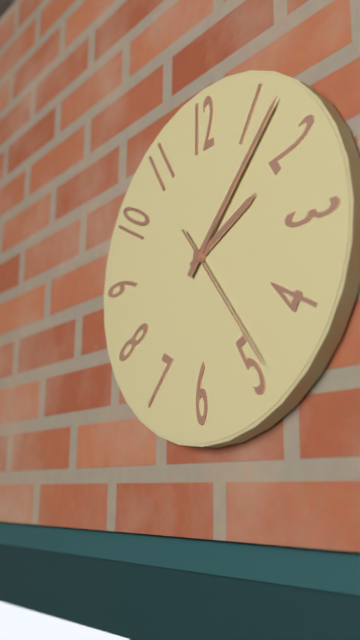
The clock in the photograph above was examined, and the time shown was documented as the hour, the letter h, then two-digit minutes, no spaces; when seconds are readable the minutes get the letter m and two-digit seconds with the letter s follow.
2h07m24s
